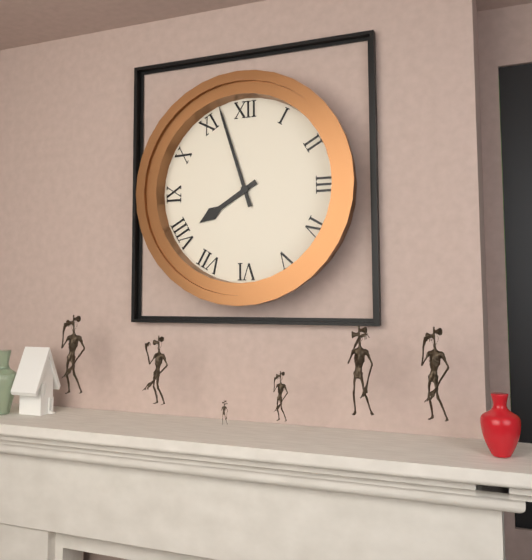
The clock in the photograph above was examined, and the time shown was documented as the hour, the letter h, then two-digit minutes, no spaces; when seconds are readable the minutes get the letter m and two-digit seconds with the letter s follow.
7h57
